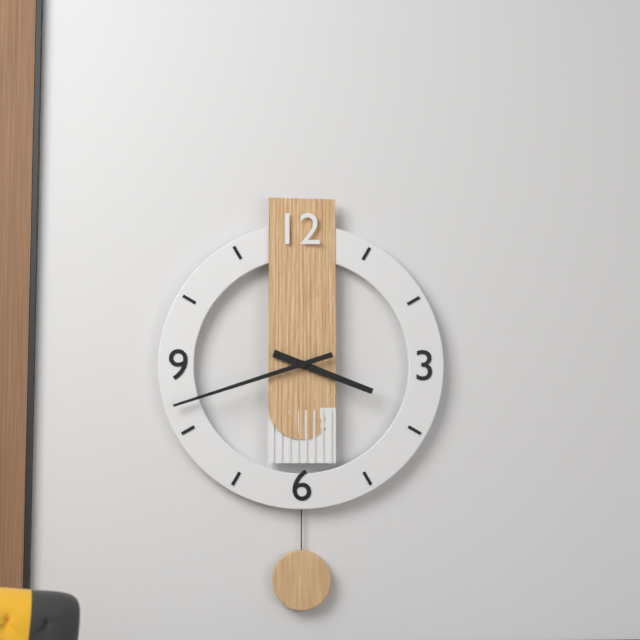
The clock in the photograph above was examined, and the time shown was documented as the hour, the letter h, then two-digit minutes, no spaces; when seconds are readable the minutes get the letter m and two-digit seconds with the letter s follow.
3h42
